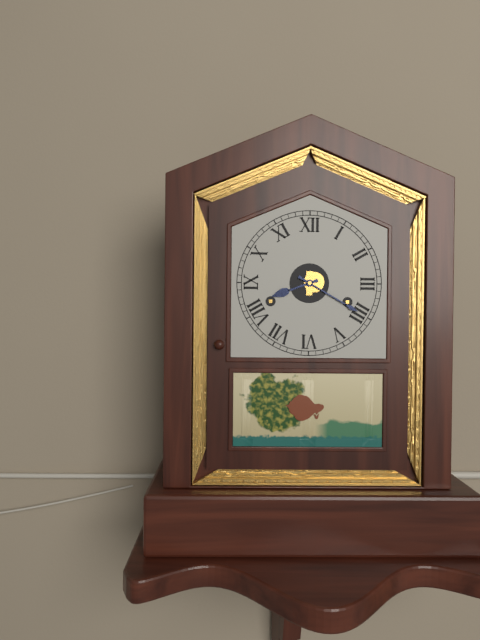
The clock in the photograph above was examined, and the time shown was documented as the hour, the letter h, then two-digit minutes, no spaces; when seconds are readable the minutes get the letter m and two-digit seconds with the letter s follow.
8h20
